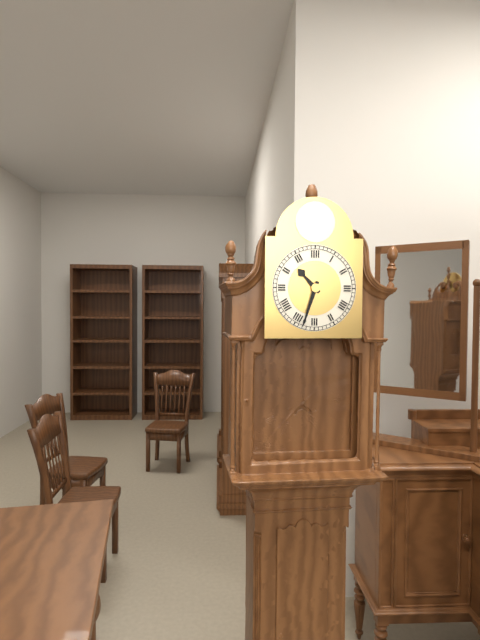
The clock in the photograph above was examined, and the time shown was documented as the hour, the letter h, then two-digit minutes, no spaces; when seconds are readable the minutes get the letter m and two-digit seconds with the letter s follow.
10h33
